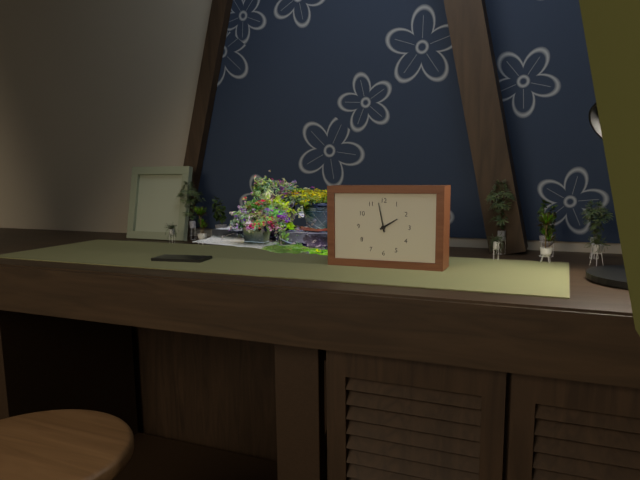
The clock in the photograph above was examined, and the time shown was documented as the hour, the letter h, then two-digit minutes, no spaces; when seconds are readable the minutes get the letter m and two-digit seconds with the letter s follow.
1h58
